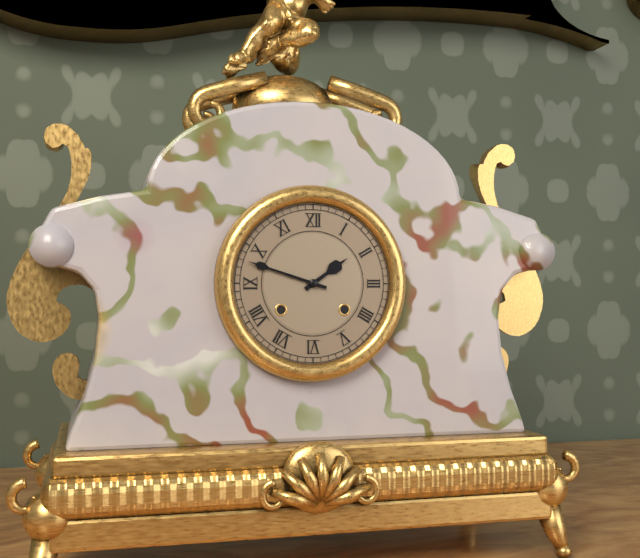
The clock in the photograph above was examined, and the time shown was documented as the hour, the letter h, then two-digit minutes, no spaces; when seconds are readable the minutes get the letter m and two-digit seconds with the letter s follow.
1h48
